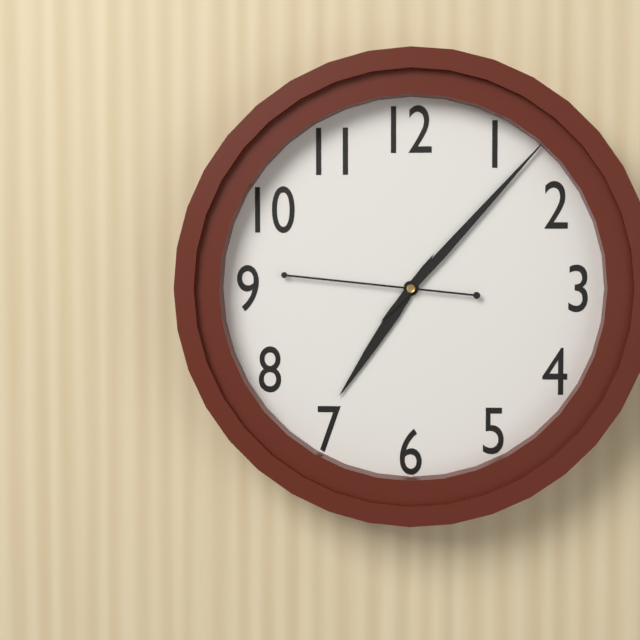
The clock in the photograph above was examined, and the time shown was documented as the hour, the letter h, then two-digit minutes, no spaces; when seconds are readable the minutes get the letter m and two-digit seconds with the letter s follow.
7h07m46s
